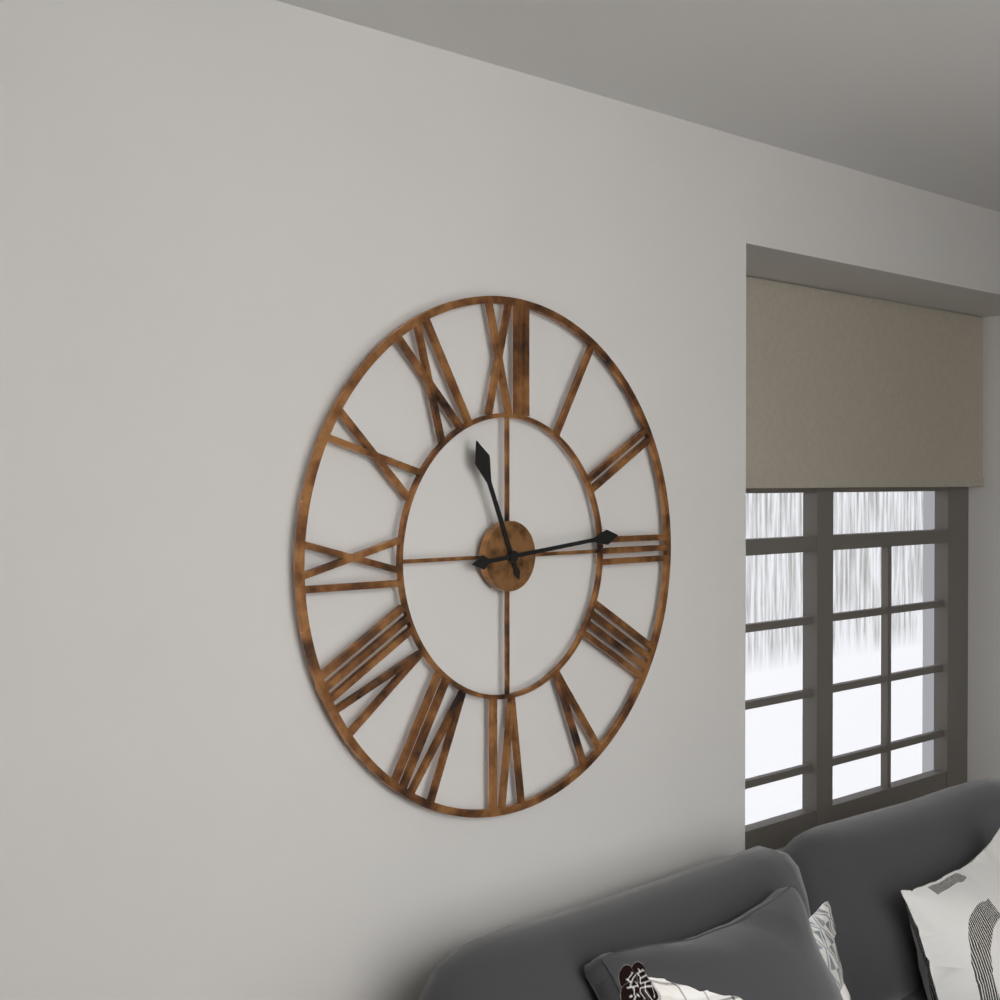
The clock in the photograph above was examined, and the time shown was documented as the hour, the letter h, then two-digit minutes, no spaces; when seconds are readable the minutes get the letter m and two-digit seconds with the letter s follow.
11h14
